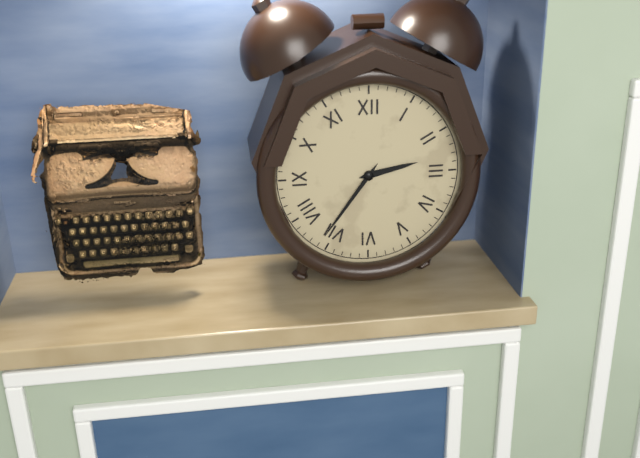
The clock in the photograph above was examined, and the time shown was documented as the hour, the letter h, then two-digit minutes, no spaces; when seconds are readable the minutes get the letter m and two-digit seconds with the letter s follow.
2h36
